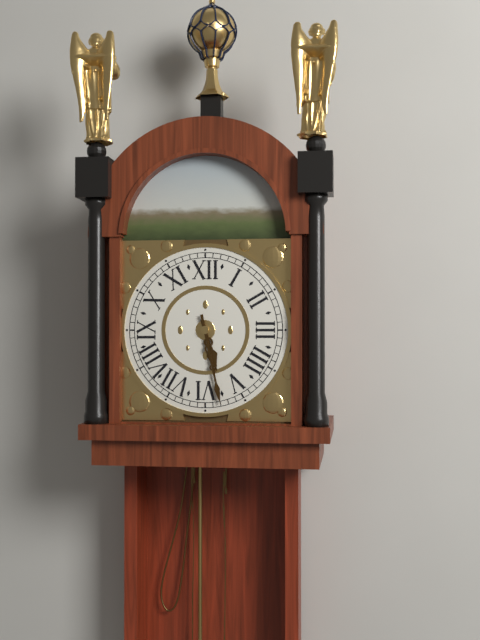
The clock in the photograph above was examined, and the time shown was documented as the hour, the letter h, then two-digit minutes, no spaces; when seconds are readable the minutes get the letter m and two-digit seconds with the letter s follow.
5h28
